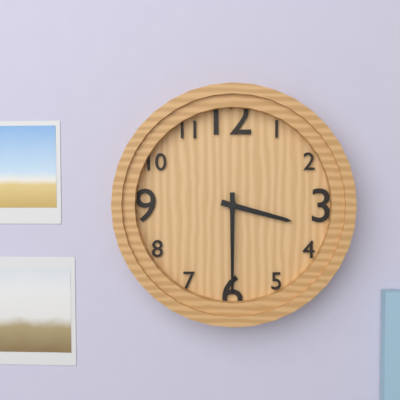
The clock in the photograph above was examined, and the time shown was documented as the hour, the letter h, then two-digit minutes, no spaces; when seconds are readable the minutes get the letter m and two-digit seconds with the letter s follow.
3h30
